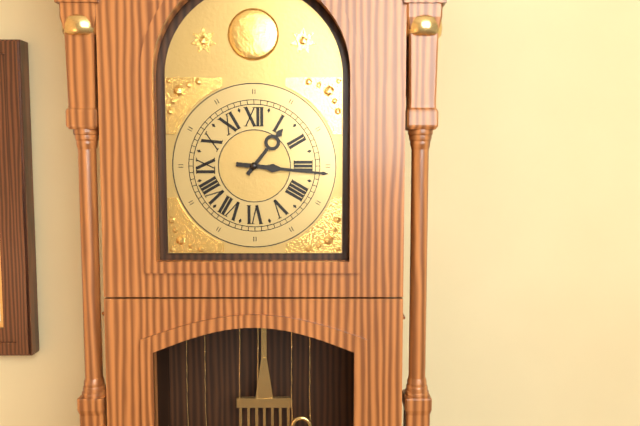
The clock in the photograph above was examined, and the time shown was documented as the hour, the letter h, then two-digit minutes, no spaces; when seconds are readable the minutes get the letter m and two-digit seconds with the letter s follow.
1h16
